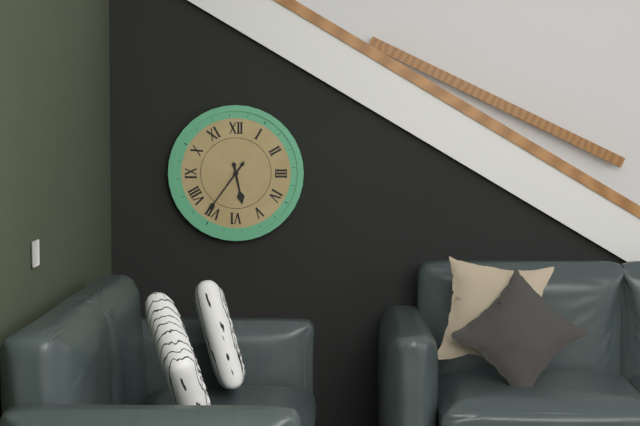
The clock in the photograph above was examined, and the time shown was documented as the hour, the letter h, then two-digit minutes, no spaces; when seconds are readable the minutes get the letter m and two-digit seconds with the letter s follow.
5h36
